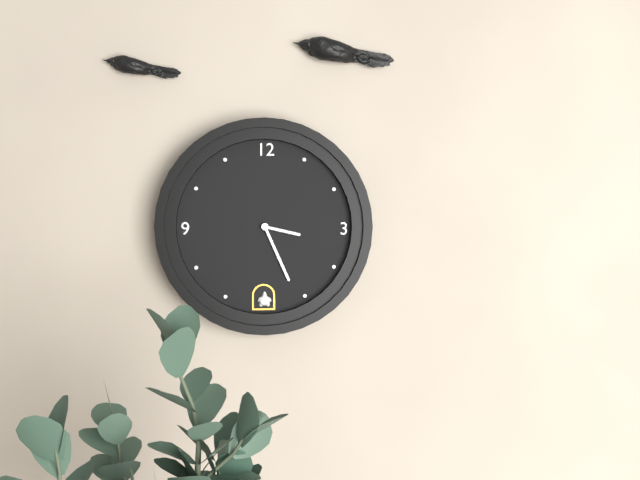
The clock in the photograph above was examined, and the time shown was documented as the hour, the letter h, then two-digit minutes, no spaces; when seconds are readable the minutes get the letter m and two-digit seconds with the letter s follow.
3h26
